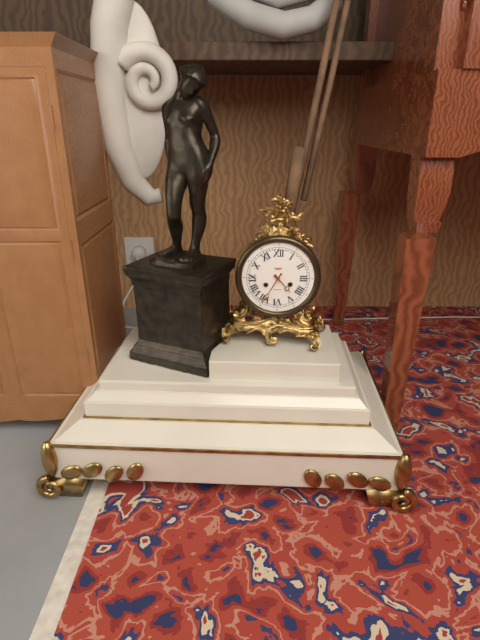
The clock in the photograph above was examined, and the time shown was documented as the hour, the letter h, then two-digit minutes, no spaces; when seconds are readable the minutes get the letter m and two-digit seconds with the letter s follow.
4h35
